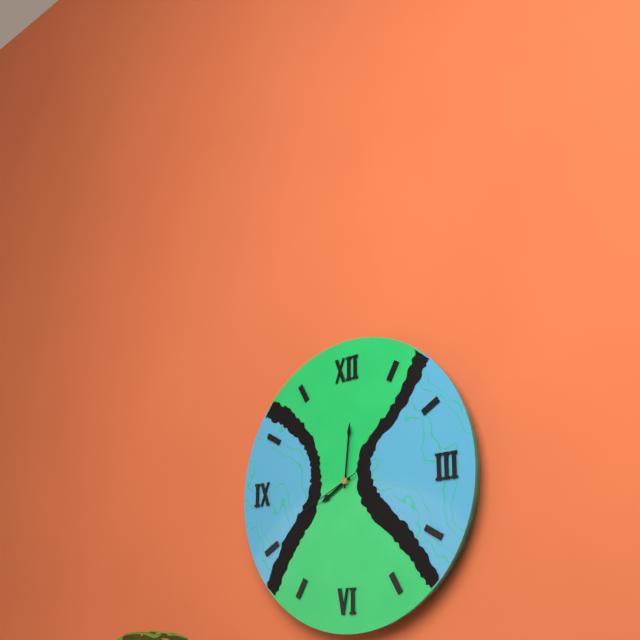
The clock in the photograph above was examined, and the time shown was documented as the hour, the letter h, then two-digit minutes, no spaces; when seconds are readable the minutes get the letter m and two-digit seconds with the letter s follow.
8h01m41s
